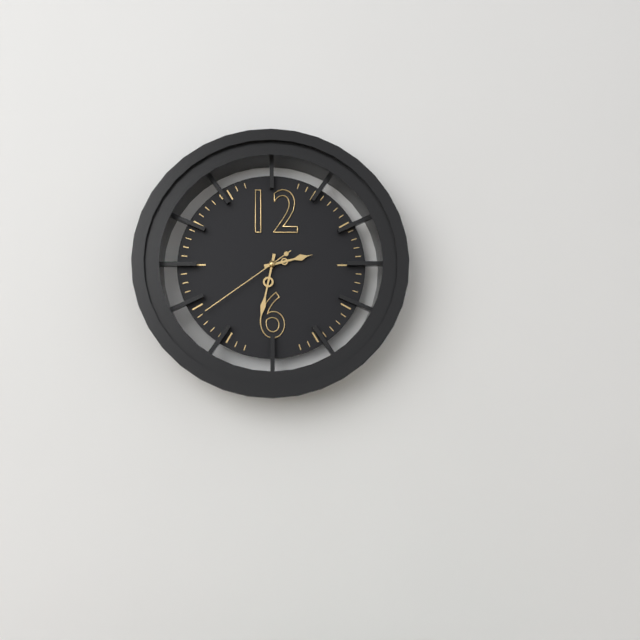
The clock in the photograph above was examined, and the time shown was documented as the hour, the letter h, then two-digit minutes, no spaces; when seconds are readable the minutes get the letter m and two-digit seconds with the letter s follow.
2h32m39s
